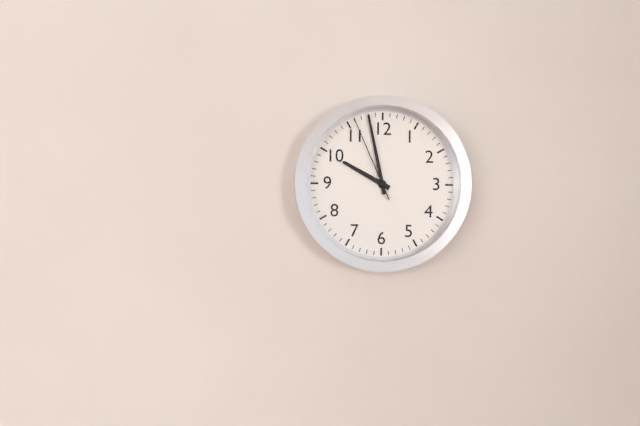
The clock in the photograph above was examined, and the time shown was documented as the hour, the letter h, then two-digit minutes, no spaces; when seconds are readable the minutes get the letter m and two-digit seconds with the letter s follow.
9h58m56s
